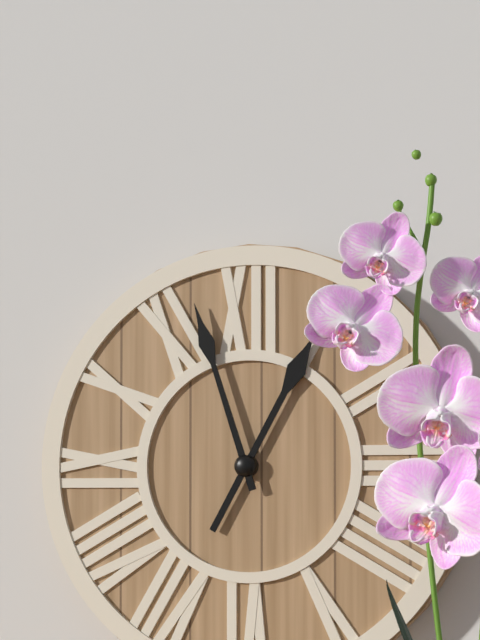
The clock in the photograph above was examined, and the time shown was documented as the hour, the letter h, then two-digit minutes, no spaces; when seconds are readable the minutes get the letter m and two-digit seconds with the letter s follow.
12h57
